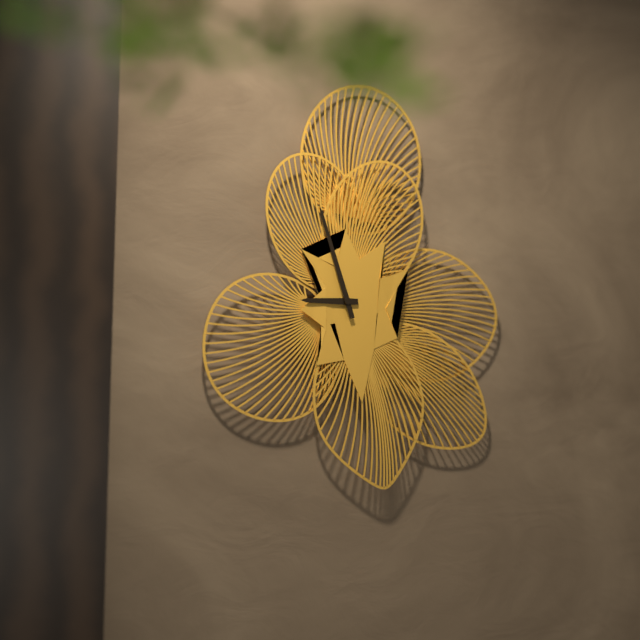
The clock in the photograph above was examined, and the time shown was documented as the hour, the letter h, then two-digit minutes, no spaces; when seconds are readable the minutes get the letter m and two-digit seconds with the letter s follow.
8h57
